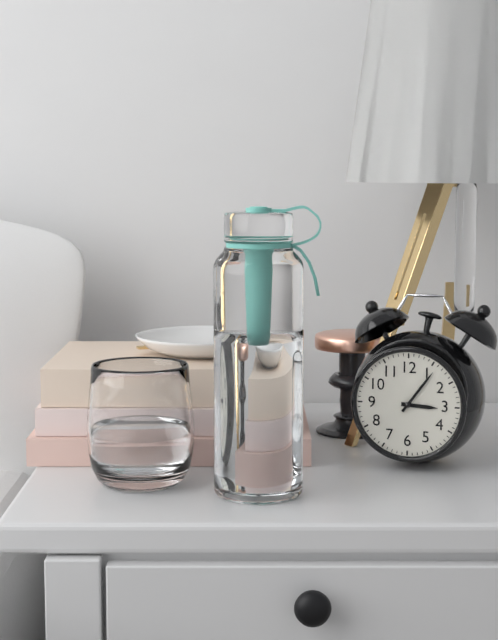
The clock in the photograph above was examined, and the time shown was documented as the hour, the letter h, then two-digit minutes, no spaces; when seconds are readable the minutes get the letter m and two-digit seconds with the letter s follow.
3h06
